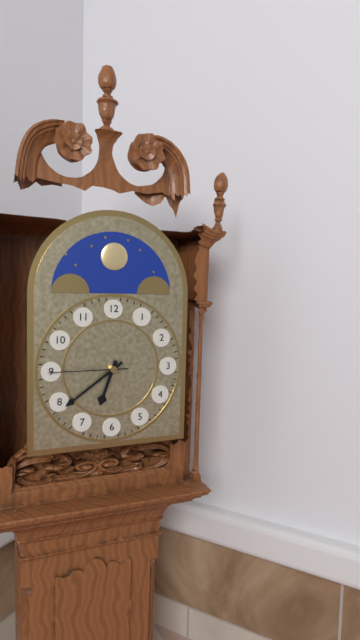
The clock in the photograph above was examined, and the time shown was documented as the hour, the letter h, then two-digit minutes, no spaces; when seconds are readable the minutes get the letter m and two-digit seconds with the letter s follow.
6h39m45s
